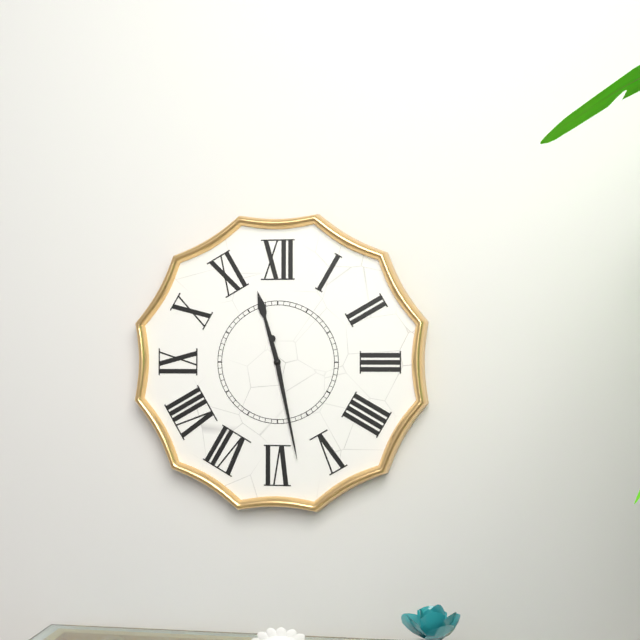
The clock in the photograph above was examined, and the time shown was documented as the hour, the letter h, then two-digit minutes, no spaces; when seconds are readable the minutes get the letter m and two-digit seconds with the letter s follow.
11h28
